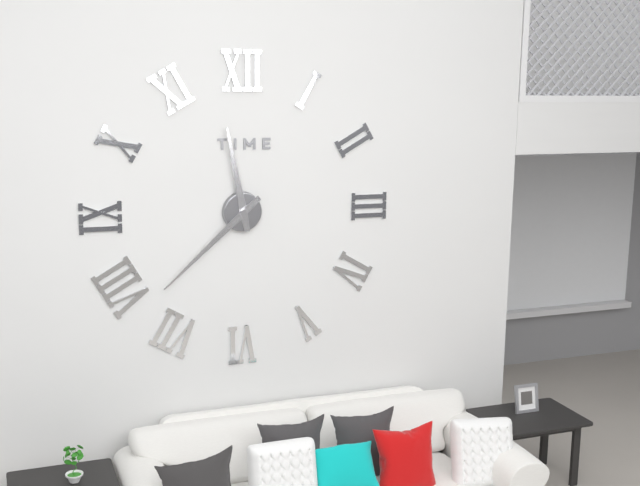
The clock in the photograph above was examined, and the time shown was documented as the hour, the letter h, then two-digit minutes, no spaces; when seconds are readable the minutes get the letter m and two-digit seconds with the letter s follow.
11h38
